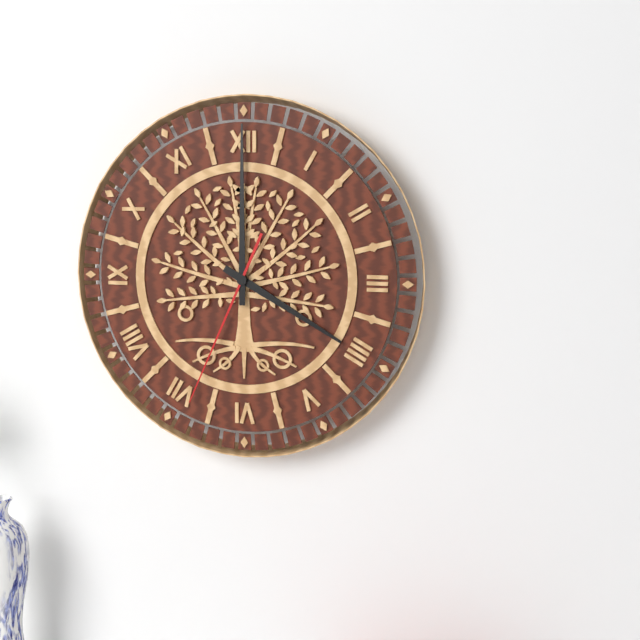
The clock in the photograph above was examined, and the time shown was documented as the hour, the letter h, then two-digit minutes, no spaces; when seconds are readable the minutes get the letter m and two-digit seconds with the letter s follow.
4h00m34s
